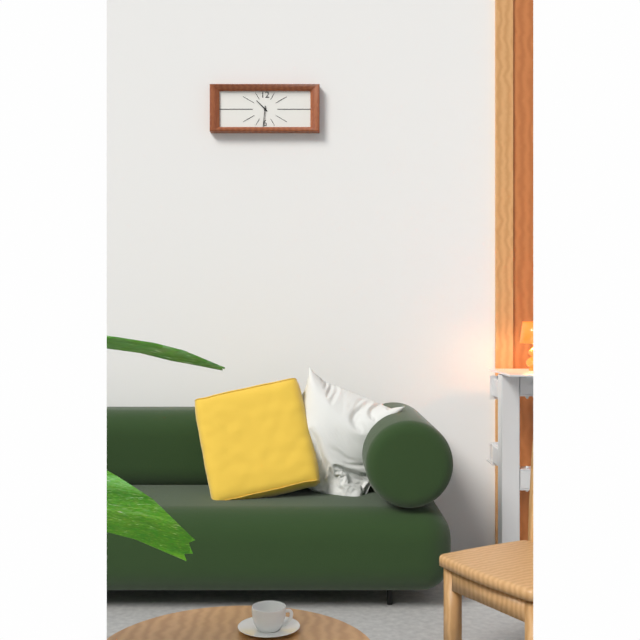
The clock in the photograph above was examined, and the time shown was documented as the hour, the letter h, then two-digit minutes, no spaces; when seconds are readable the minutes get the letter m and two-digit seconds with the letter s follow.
10h31
